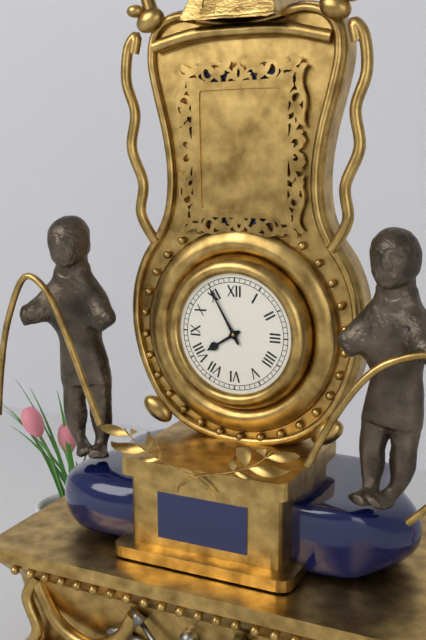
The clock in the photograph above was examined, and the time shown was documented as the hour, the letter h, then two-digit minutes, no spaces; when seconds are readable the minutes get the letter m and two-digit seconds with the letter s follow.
7h55
